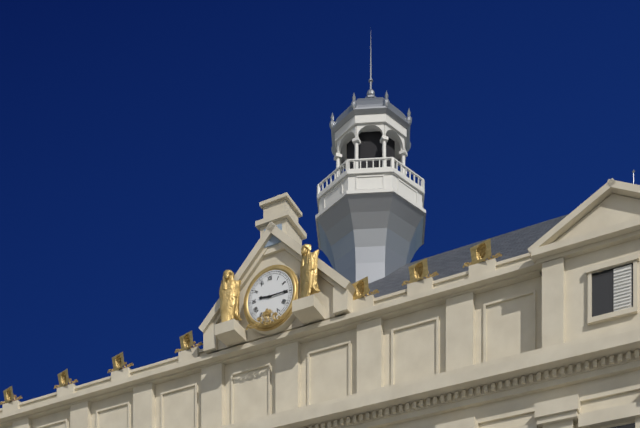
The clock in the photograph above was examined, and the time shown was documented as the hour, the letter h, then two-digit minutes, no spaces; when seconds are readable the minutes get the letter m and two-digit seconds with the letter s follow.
9h15
